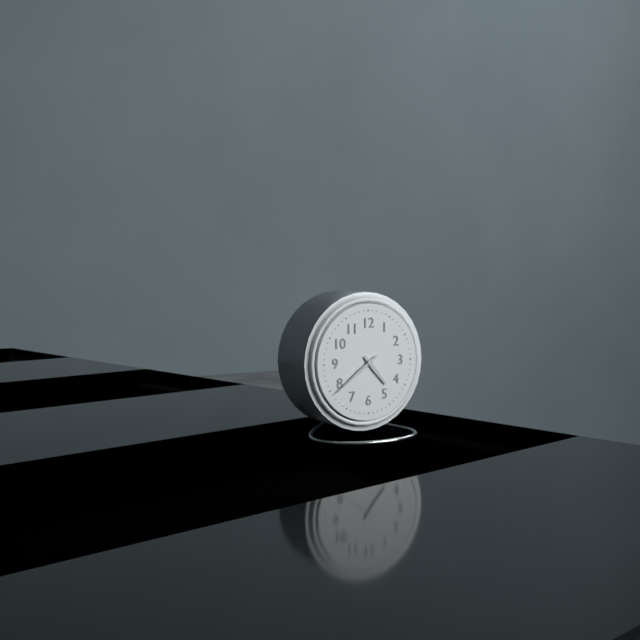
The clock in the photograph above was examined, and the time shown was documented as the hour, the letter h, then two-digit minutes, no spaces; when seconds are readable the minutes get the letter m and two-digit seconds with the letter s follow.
4h39
